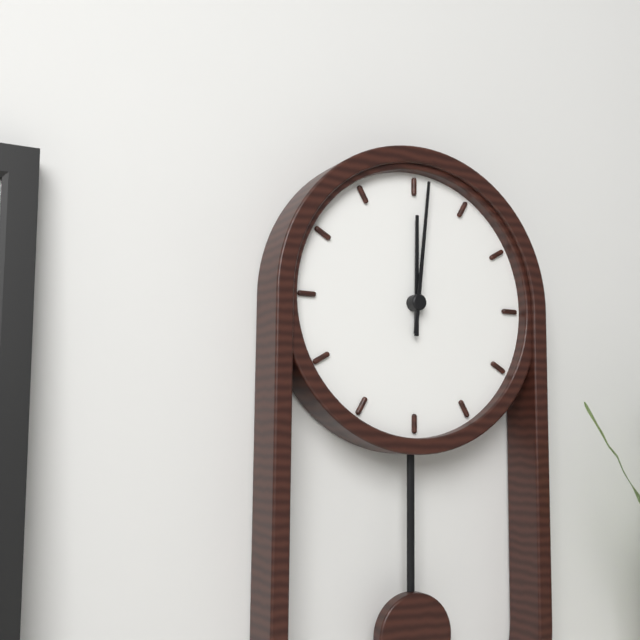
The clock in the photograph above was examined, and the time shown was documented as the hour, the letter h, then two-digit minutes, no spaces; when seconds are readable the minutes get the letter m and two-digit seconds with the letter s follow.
12h01
